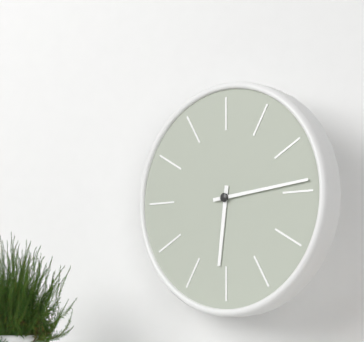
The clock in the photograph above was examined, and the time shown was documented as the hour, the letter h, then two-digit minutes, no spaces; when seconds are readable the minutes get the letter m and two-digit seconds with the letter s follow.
6h14
